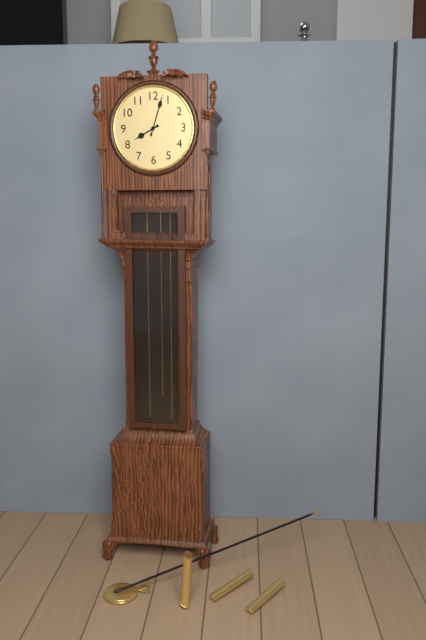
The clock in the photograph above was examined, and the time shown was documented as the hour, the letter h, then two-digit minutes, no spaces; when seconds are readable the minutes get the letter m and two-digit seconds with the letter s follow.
8h03
